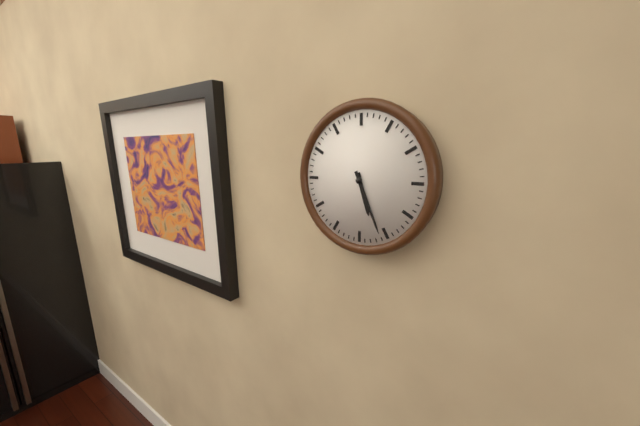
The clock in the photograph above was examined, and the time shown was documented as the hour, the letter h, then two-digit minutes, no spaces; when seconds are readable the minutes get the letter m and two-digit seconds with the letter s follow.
5h26
